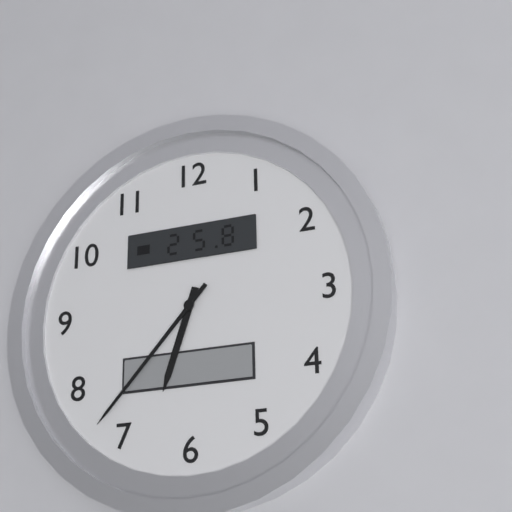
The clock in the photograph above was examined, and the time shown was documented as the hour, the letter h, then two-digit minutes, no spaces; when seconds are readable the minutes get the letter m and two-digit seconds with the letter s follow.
6h37
